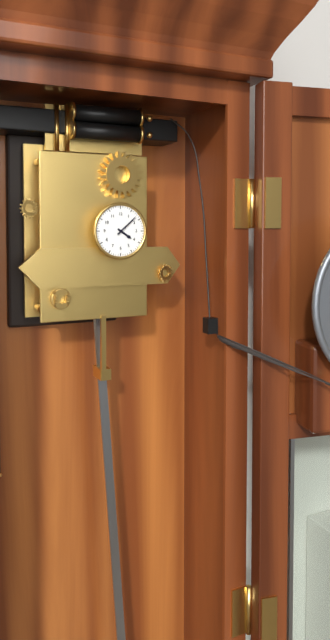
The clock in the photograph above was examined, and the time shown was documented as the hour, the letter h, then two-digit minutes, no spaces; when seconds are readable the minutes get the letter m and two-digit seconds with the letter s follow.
4h08
